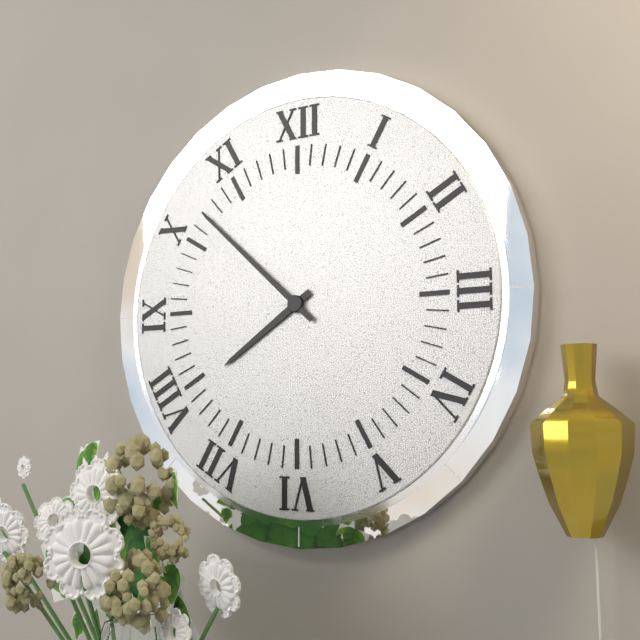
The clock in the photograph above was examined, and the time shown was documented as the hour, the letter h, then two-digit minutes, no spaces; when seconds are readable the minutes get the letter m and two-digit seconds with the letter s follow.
7h52
